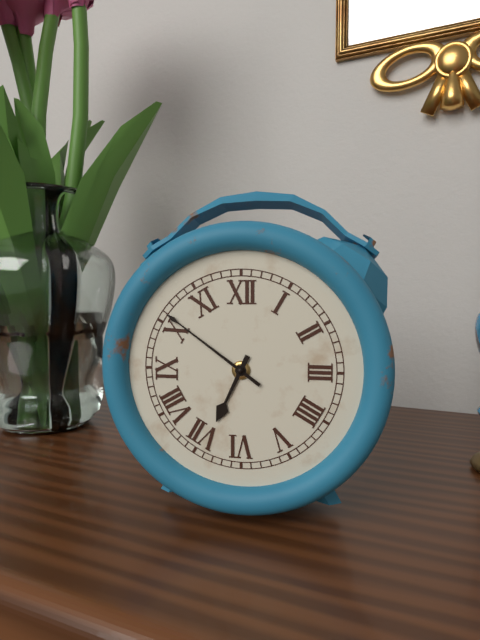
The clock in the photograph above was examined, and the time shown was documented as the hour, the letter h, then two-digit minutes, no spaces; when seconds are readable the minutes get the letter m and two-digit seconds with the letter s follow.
6h51
